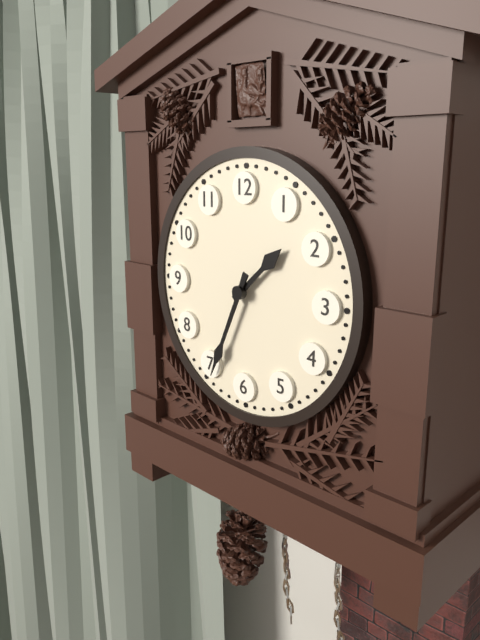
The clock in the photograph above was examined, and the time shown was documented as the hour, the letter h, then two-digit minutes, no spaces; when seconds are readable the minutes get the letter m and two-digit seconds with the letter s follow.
1h34
